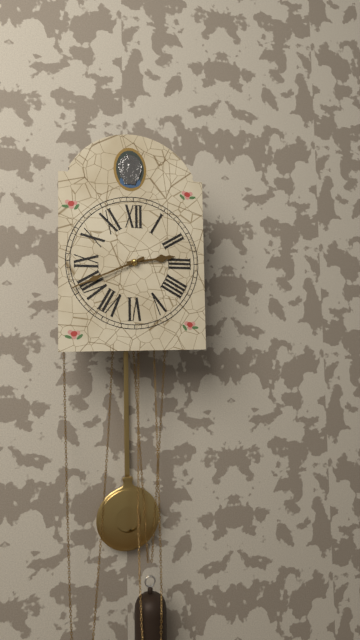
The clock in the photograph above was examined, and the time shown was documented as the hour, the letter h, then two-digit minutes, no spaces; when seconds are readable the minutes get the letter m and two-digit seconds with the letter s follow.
2h41
